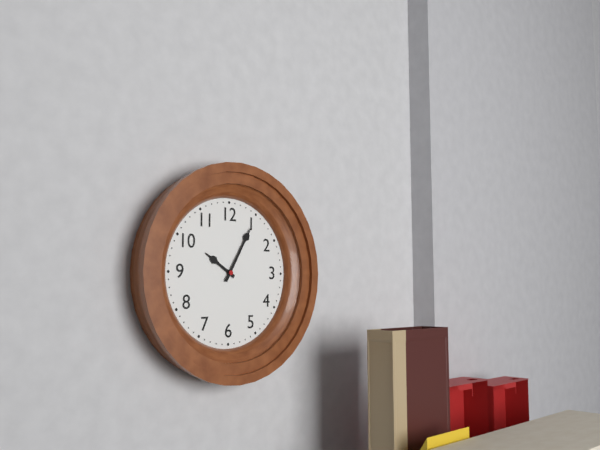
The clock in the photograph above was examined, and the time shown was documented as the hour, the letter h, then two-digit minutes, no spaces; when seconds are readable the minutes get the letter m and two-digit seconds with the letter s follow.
10h05
